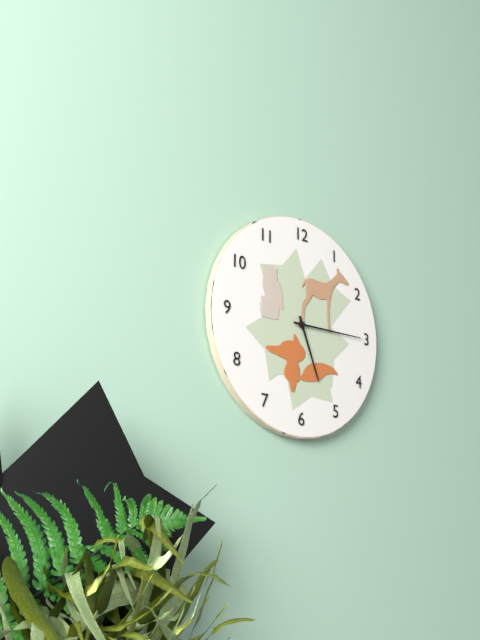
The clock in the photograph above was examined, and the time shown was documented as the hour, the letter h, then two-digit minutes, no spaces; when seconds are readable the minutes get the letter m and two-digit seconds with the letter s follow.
5h15
